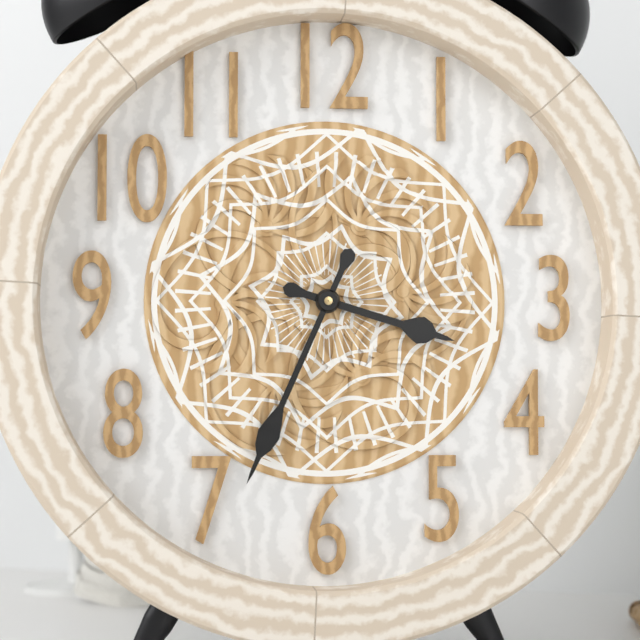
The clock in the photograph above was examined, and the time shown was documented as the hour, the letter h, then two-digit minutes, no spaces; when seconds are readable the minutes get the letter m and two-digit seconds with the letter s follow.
3h34
